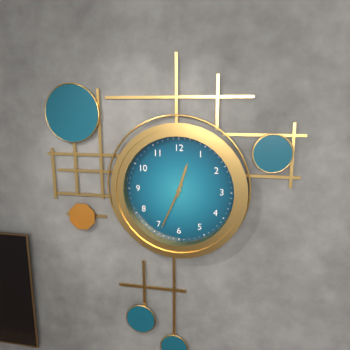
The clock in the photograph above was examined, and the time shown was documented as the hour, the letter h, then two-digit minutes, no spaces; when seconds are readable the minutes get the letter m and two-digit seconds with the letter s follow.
12h34
